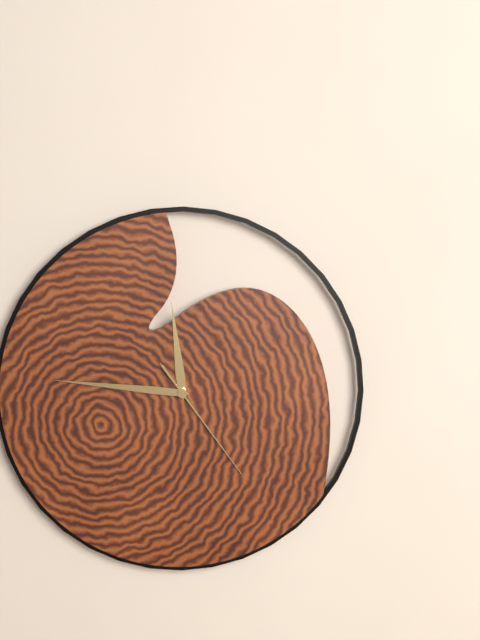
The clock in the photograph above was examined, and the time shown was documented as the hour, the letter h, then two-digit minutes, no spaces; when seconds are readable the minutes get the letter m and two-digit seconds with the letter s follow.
11h46m24s
